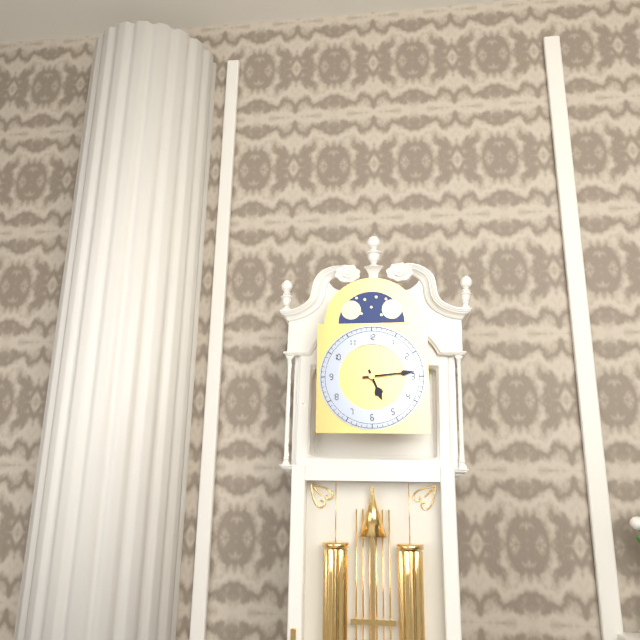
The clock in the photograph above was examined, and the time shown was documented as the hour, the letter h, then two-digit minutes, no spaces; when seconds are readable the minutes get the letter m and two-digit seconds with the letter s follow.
5h14
